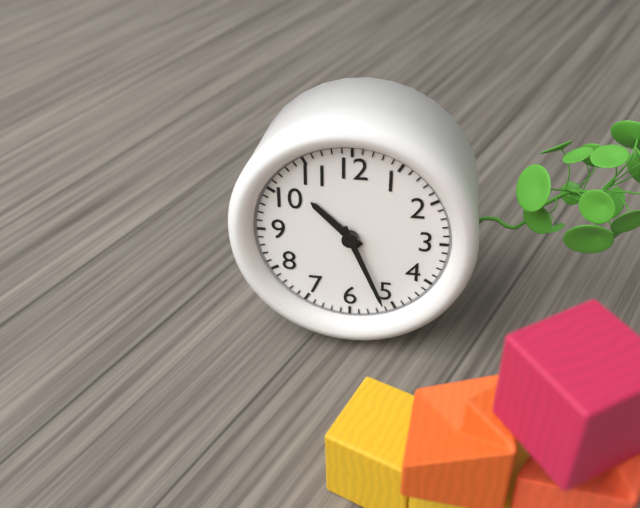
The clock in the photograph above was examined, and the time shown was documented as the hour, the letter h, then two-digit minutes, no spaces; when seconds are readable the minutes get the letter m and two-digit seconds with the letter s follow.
10h26
